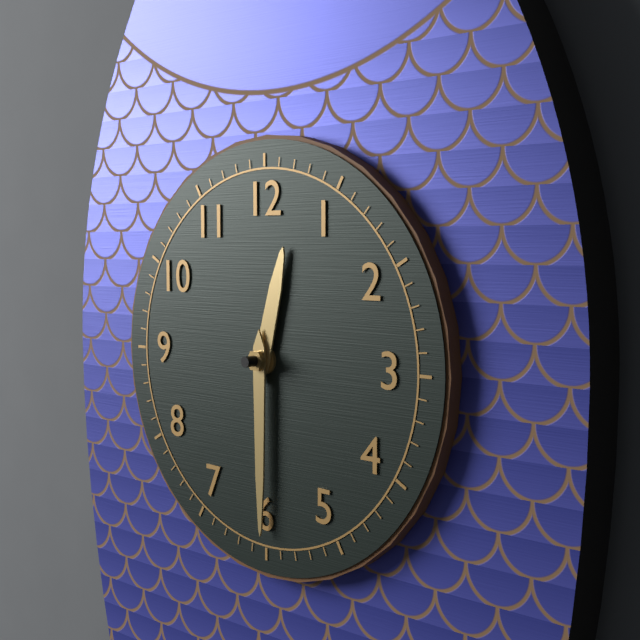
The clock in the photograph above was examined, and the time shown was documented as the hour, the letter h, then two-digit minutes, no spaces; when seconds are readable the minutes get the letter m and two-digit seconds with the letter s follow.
12h30
